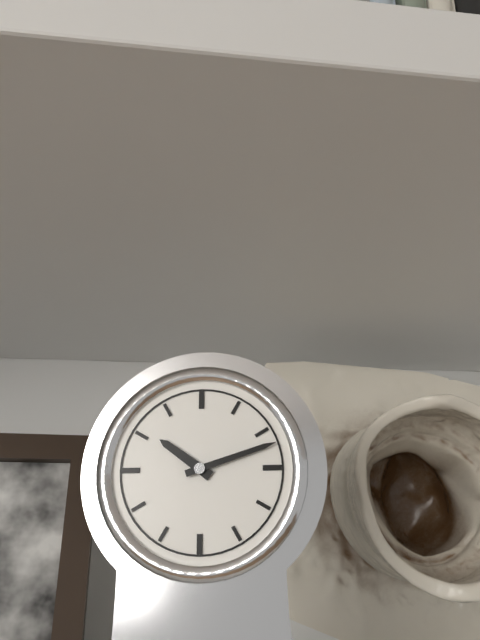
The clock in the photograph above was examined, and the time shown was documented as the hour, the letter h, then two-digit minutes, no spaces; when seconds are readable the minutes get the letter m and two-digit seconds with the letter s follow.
10h12
